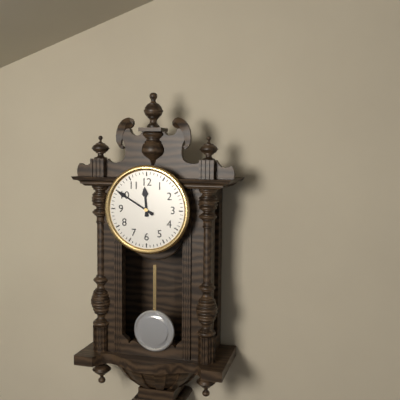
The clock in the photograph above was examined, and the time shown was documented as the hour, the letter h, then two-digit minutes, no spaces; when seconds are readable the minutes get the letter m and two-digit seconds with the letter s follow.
11h50
